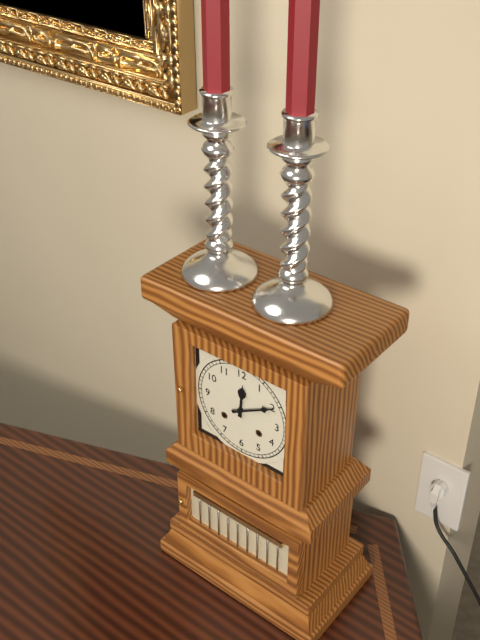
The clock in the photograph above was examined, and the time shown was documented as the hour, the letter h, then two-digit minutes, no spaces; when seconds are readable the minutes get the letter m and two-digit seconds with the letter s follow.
12h10
